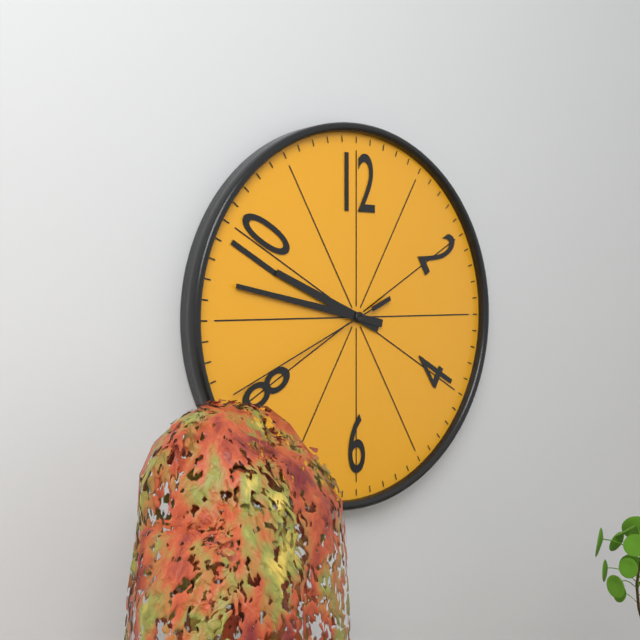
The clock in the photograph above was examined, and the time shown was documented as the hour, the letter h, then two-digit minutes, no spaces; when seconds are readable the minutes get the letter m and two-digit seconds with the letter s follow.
9h47m41s
